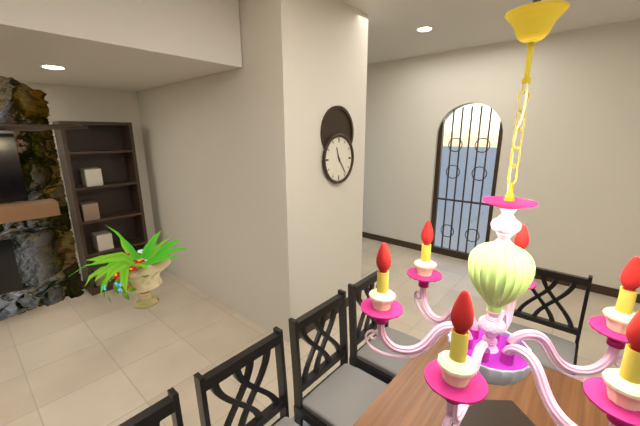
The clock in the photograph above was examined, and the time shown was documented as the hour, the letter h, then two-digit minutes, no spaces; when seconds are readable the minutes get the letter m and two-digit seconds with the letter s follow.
11h24
